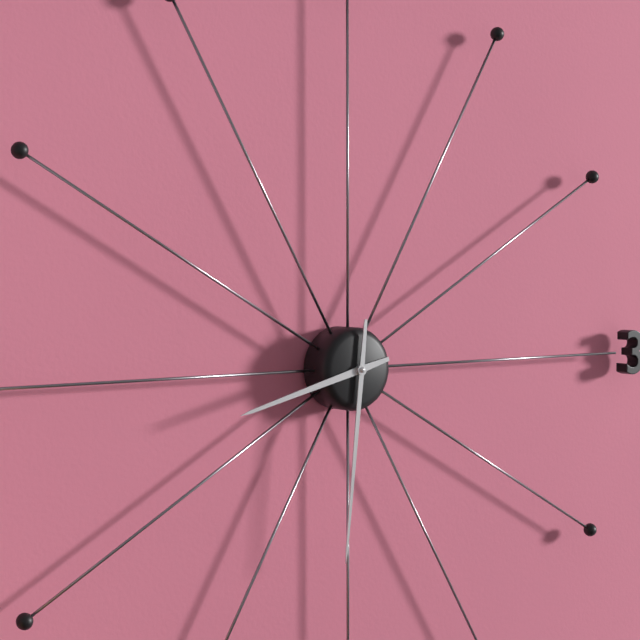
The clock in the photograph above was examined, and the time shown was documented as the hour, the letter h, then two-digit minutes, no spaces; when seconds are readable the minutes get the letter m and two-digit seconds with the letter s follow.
8h31
